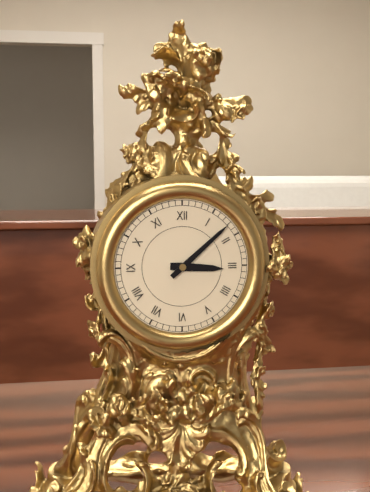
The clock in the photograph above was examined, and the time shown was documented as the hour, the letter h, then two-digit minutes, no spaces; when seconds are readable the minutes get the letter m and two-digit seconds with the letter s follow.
3h08
